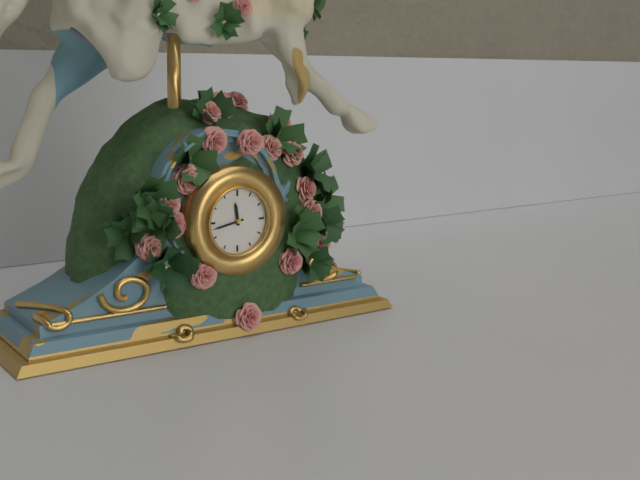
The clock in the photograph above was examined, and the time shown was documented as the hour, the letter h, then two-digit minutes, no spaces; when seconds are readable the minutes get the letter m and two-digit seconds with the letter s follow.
11h43
